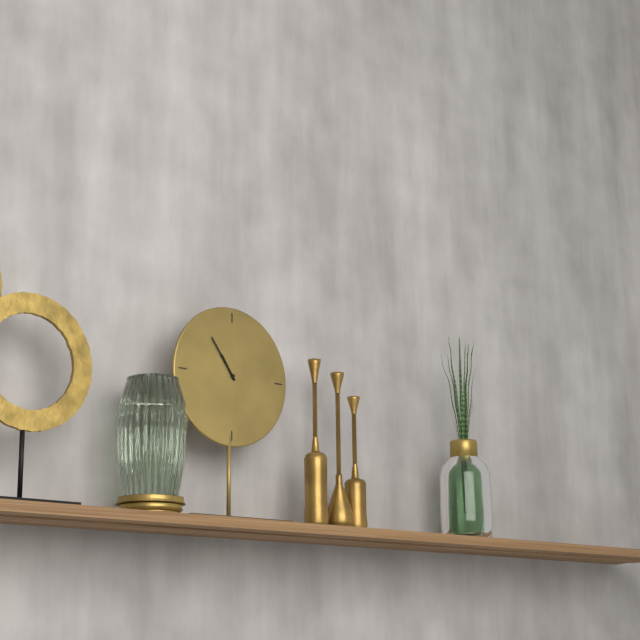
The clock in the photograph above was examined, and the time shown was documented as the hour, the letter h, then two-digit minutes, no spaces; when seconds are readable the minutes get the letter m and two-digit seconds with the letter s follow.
10h54
